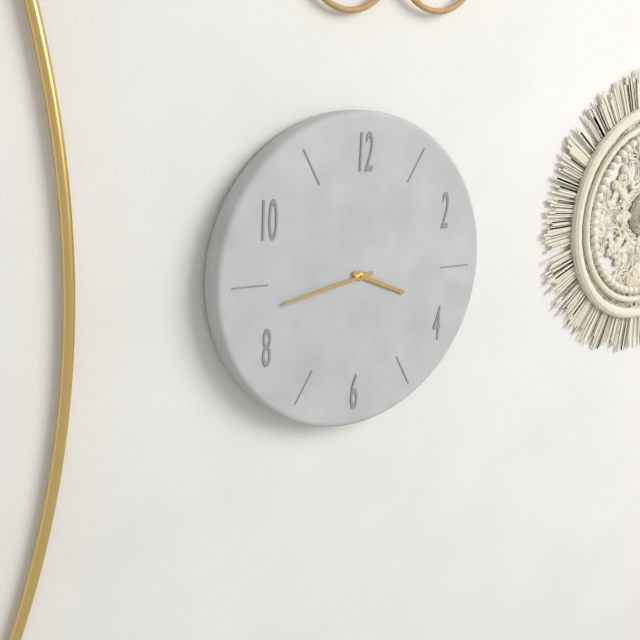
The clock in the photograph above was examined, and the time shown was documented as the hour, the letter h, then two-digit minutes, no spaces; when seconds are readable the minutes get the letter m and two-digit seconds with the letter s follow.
3h43
